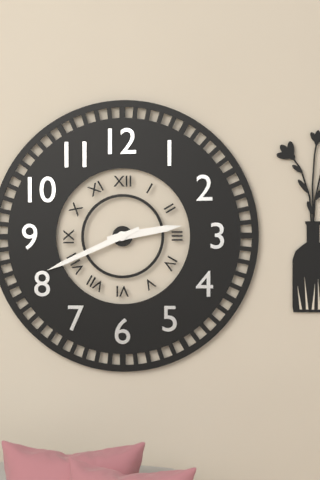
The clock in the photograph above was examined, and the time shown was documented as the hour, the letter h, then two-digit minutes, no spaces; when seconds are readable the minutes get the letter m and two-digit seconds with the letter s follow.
2h41
